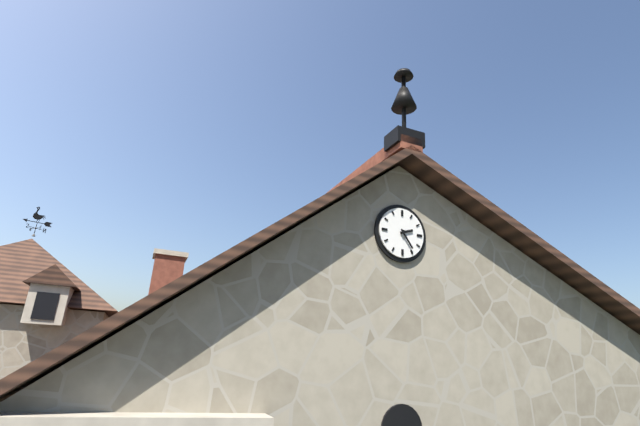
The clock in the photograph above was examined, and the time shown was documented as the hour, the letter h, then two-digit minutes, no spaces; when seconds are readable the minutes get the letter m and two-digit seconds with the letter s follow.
2h24
